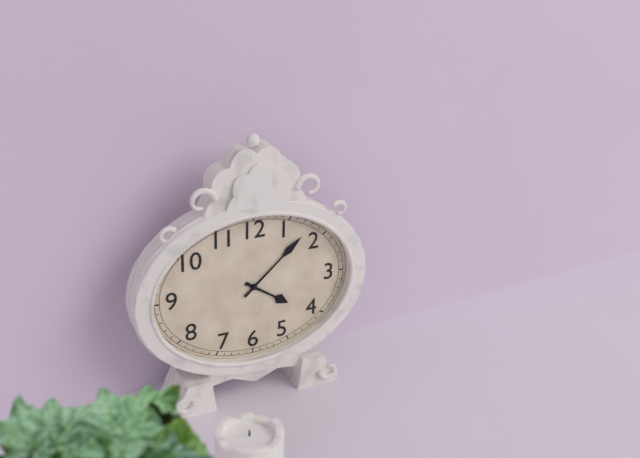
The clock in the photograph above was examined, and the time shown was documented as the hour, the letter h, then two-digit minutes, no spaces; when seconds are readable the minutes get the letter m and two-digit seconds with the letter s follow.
4h08
